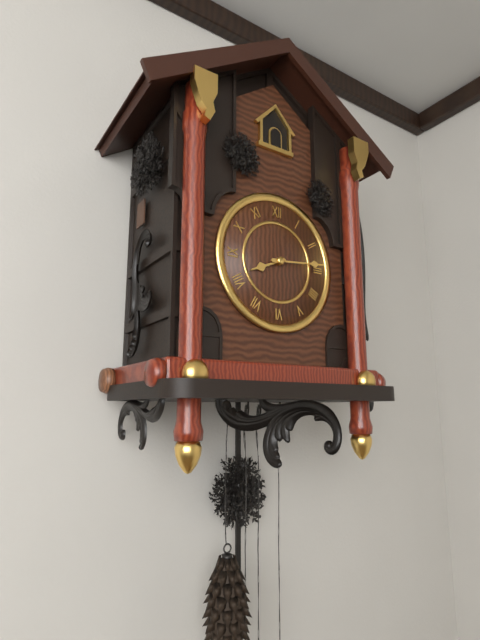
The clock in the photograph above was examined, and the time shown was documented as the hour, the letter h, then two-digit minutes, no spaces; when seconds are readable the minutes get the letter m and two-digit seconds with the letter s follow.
8h14
